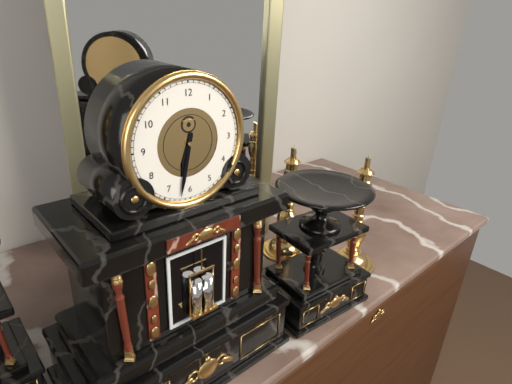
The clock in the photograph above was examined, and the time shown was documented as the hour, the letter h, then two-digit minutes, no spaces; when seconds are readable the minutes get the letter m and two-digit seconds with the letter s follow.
6h32
